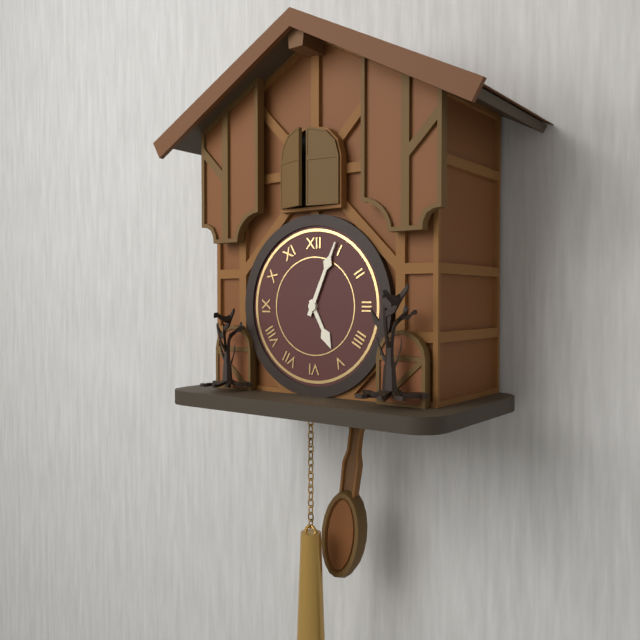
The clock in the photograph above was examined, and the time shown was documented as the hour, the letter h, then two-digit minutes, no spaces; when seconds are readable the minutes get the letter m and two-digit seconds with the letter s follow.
5h04
